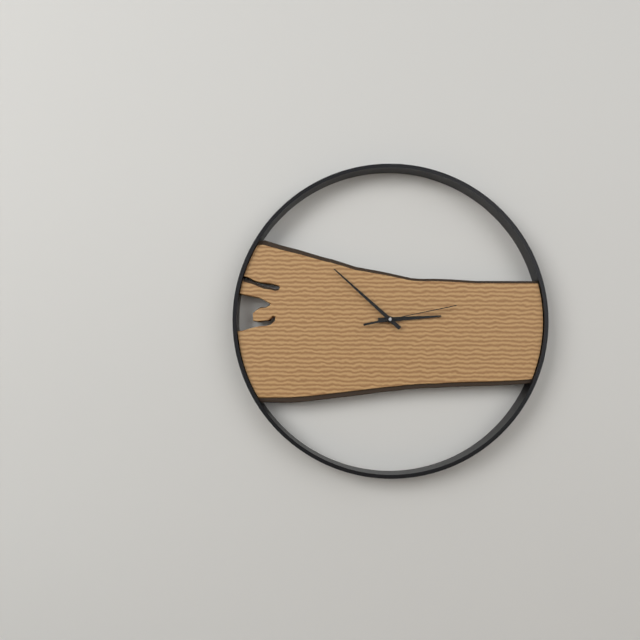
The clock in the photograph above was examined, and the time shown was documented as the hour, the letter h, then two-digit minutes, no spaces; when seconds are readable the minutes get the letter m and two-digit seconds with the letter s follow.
2h52m13s
